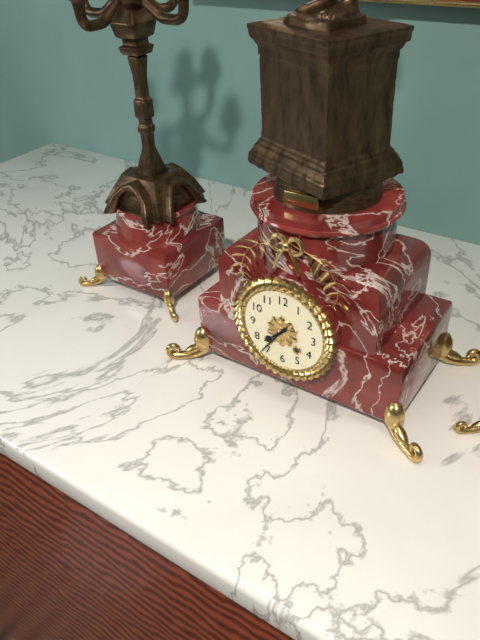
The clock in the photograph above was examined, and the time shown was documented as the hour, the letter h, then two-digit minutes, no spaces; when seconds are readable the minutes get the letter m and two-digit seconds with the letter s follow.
7h36
